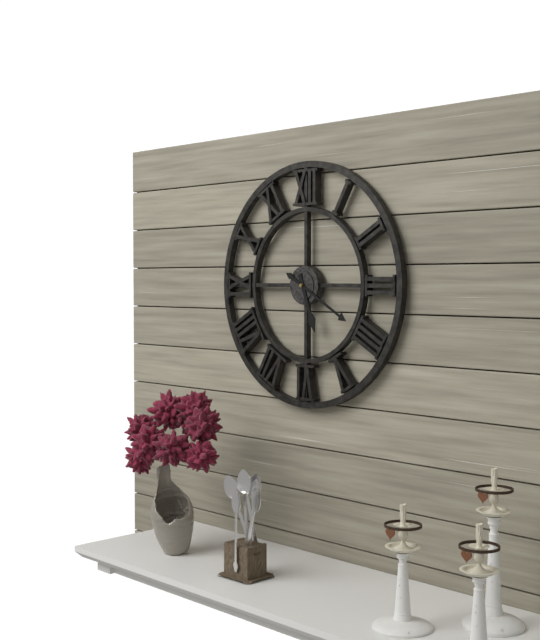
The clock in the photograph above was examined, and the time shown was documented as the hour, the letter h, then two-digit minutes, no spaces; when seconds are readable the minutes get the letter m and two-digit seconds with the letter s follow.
5h20
